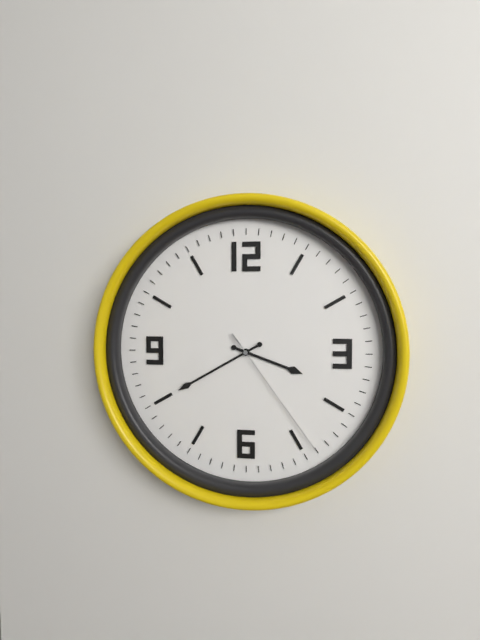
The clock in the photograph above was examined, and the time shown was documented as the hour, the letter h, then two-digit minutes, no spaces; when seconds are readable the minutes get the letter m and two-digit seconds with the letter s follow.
3h40m24s
